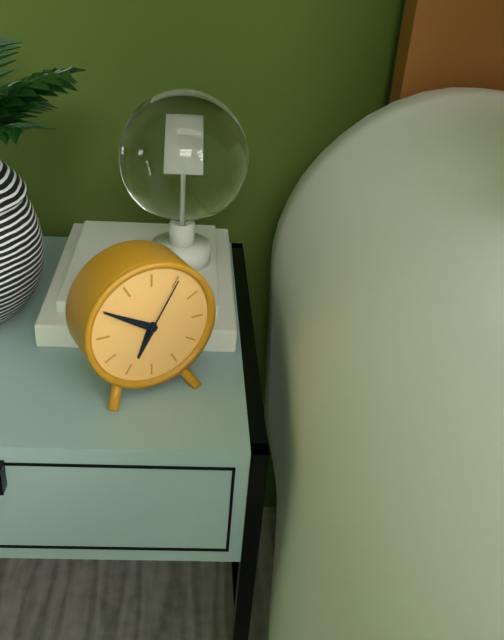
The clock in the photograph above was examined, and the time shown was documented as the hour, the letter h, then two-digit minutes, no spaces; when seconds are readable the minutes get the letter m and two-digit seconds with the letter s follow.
6h50m05s
